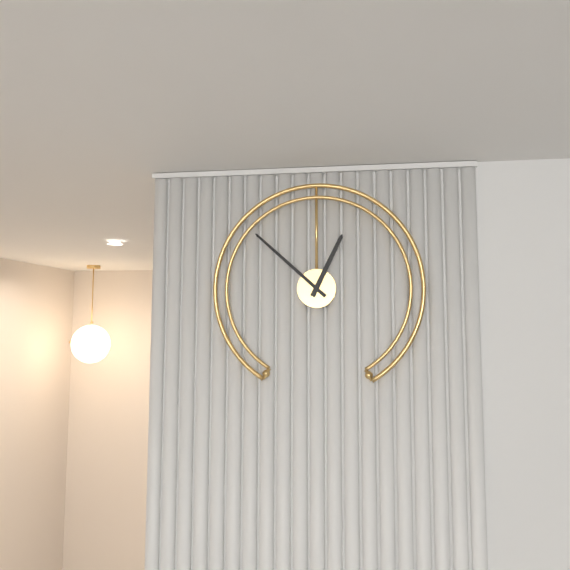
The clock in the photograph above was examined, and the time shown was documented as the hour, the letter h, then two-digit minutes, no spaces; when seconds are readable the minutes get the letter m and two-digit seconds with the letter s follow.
12h52
